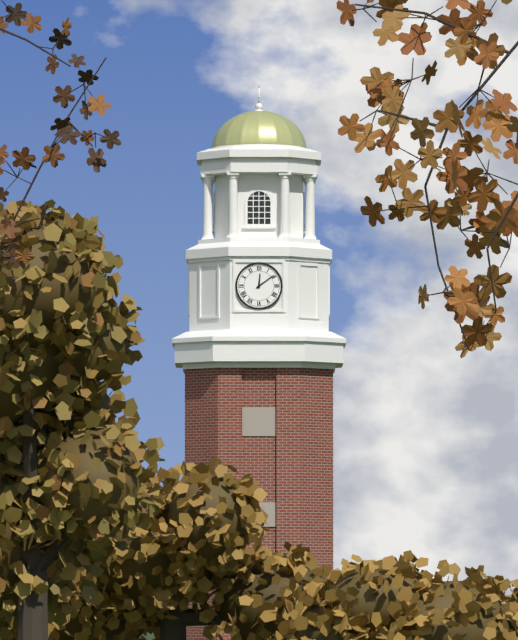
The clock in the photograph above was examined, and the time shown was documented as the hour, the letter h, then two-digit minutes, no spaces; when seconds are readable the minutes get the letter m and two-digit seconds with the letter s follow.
12h09
